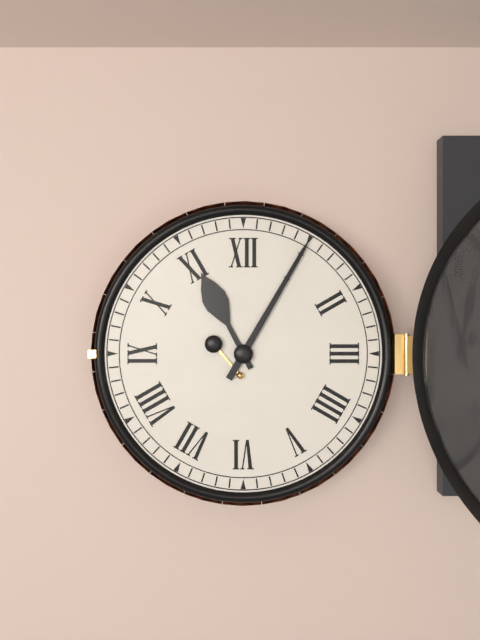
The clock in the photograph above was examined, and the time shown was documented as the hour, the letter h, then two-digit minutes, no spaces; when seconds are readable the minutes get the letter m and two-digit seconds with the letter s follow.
11h05
